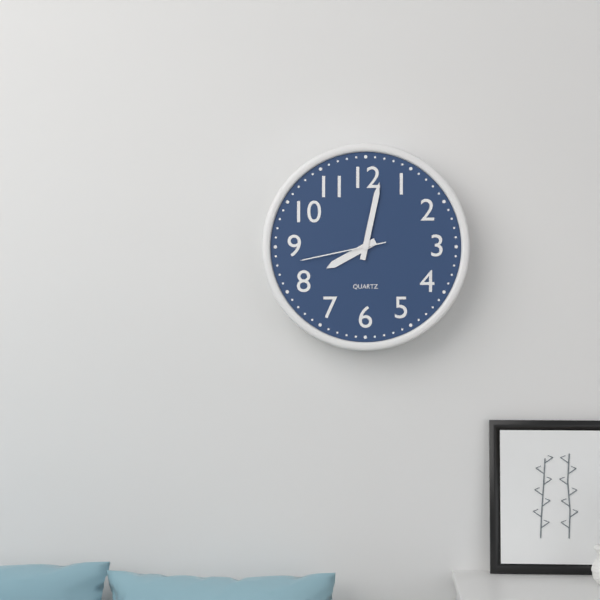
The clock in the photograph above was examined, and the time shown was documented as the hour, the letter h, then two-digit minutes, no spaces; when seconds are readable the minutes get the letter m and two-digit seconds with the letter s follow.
8h02m43s
